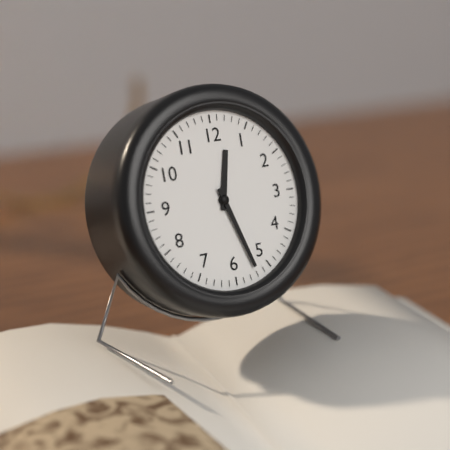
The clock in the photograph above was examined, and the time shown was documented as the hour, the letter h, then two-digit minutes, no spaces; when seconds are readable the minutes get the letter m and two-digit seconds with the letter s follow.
12h27
